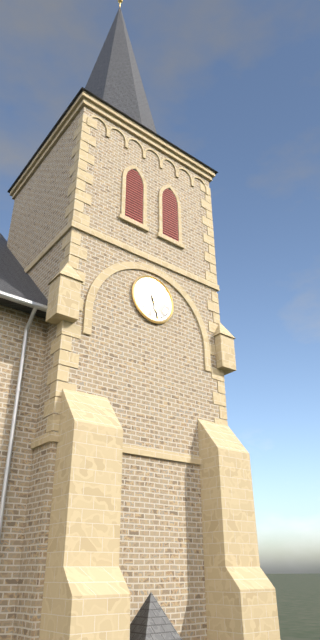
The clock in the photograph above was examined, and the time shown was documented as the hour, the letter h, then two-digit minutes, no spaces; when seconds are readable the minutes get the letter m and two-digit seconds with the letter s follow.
5h27
